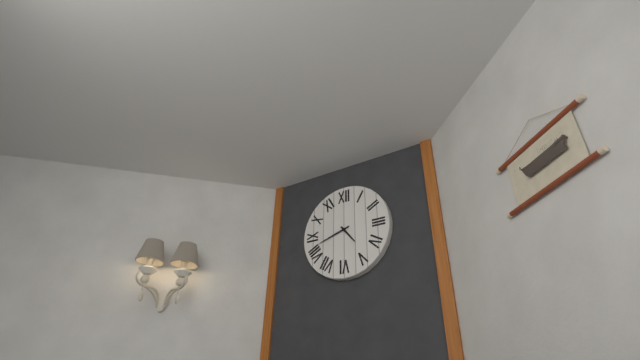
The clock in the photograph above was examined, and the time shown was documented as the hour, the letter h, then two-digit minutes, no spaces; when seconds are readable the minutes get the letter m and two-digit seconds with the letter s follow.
4h42
